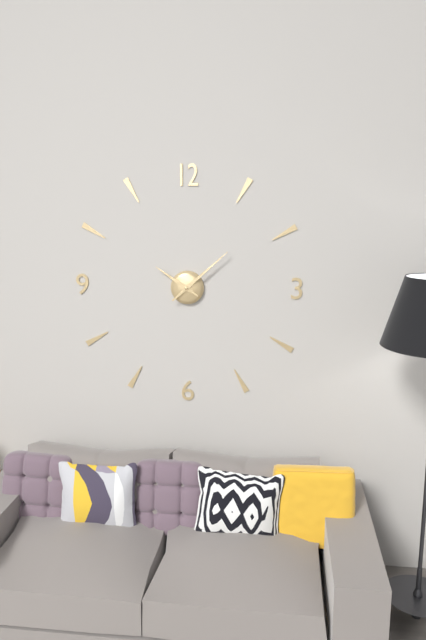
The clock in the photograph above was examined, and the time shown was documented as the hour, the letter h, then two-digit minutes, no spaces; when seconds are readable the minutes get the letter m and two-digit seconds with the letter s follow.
10h08
